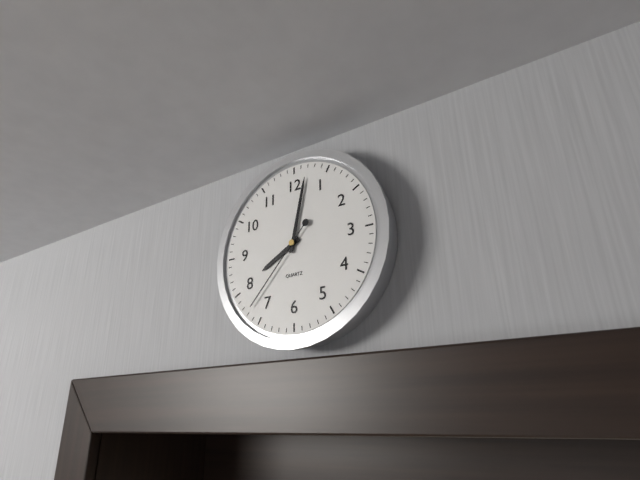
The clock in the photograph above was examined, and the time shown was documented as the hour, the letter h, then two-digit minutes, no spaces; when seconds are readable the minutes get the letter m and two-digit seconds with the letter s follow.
8h02m37s
